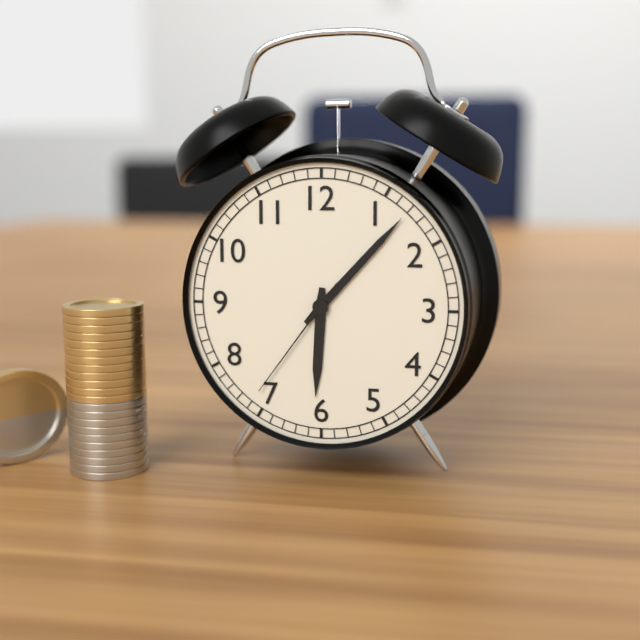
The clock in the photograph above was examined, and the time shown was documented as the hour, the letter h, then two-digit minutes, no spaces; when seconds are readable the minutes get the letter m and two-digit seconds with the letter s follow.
6h07m36s
